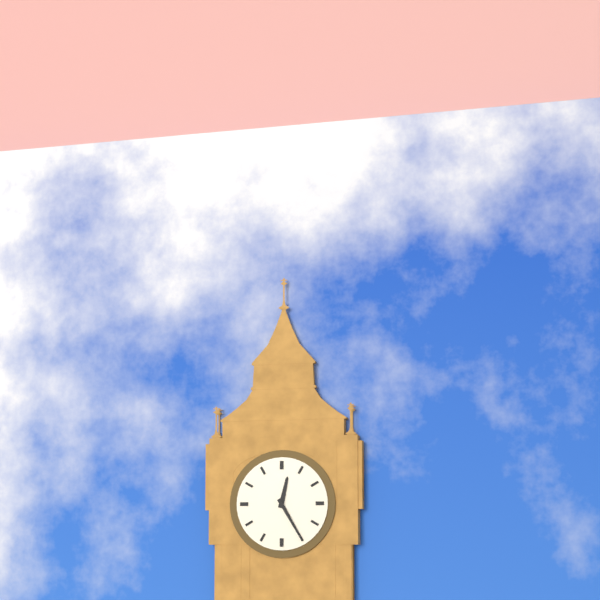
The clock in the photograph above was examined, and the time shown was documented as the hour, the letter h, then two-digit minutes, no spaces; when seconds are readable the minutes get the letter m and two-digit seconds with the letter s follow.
12h25
